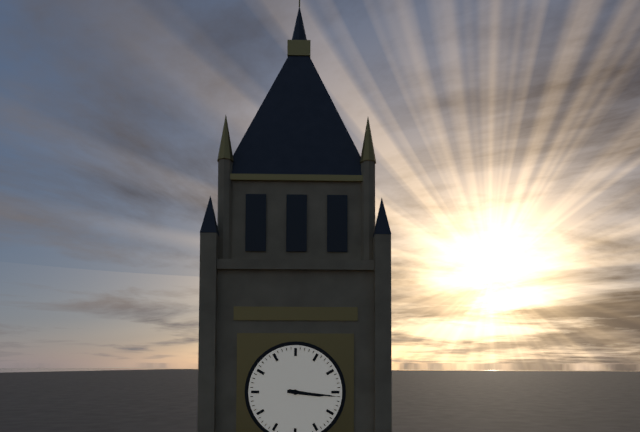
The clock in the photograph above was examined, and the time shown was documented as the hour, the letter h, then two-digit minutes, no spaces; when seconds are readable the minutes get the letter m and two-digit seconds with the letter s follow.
3h16
